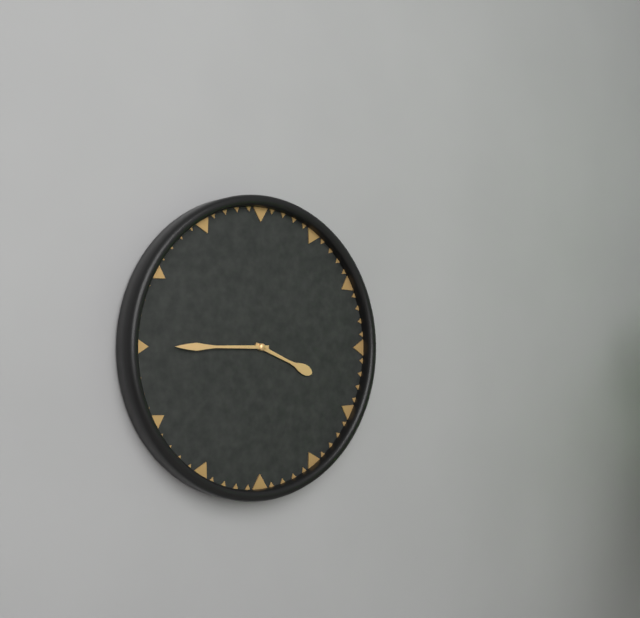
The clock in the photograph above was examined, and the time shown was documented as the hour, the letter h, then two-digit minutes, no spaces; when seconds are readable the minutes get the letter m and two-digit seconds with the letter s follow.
3h45
